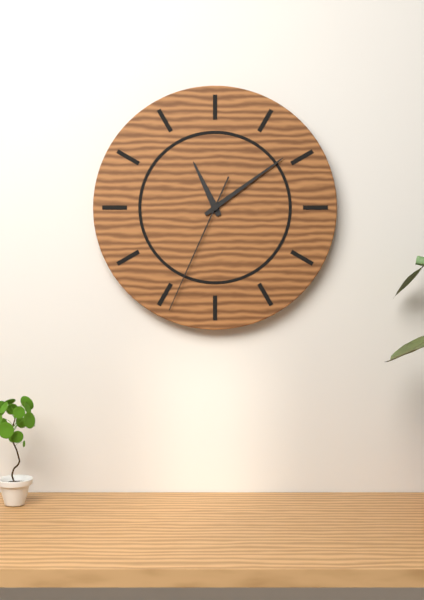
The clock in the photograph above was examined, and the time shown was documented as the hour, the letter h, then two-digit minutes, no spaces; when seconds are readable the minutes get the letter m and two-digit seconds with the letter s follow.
11h09m34s
